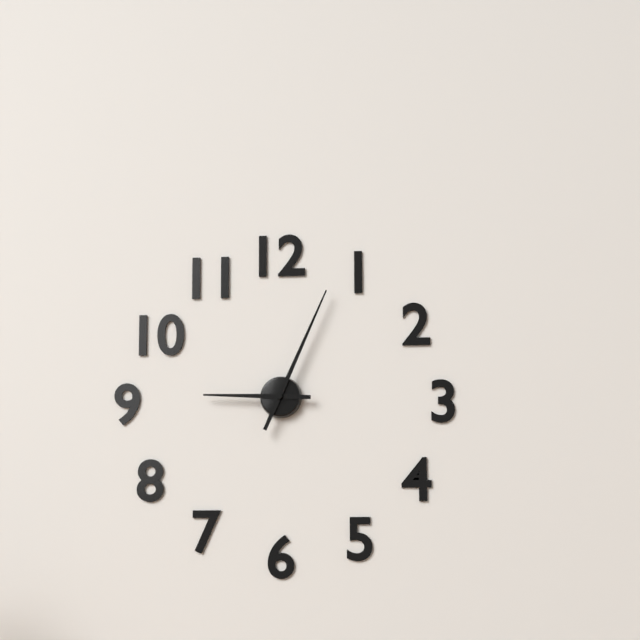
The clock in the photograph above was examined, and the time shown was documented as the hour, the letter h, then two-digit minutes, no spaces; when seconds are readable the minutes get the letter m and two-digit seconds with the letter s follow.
9h04
